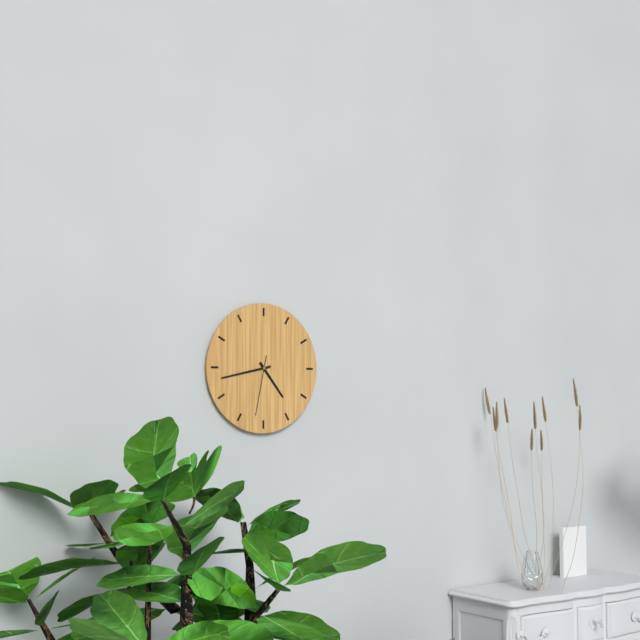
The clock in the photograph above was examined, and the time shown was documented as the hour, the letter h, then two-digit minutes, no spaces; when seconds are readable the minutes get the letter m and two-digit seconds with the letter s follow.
4h43m32s
